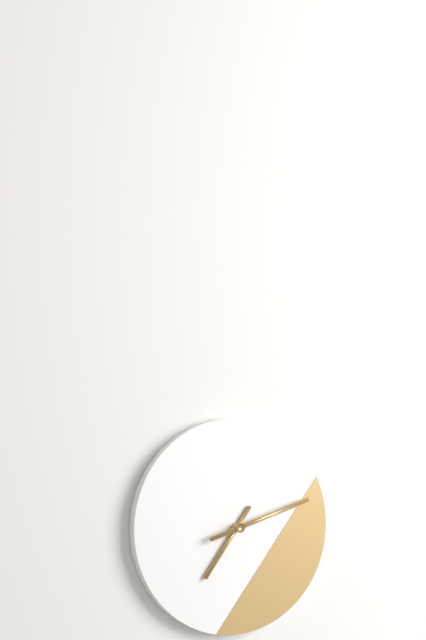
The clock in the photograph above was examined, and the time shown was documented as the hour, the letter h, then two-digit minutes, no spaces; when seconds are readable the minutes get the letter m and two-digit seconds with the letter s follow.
7h12
